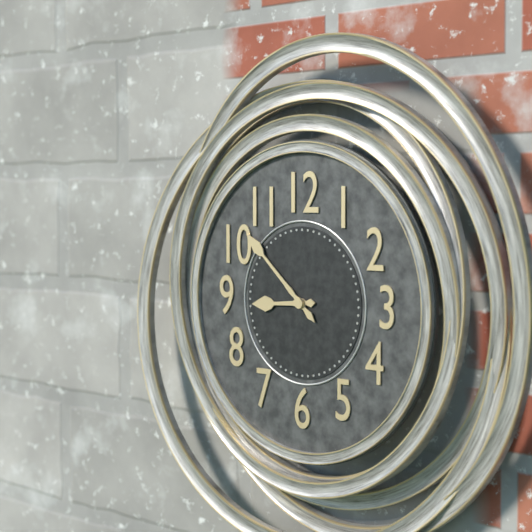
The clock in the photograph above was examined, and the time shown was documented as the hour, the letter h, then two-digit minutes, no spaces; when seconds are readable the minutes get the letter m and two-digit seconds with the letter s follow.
8h52
